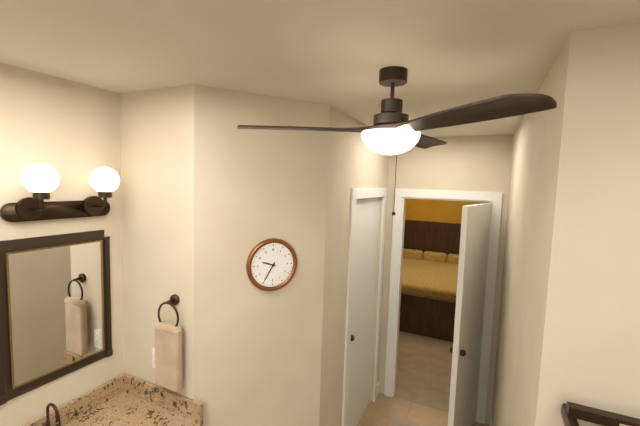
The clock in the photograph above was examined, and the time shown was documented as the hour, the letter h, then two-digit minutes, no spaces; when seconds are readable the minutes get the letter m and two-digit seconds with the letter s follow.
9h35
